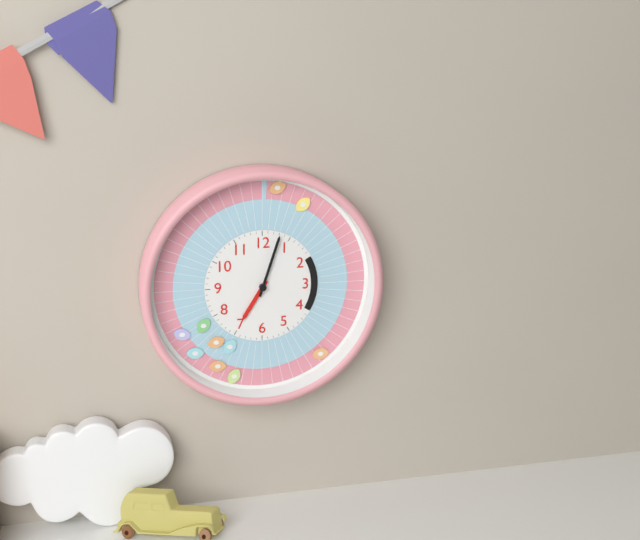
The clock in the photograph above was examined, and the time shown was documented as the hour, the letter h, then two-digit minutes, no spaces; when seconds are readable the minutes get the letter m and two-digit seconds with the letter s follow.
7h03
